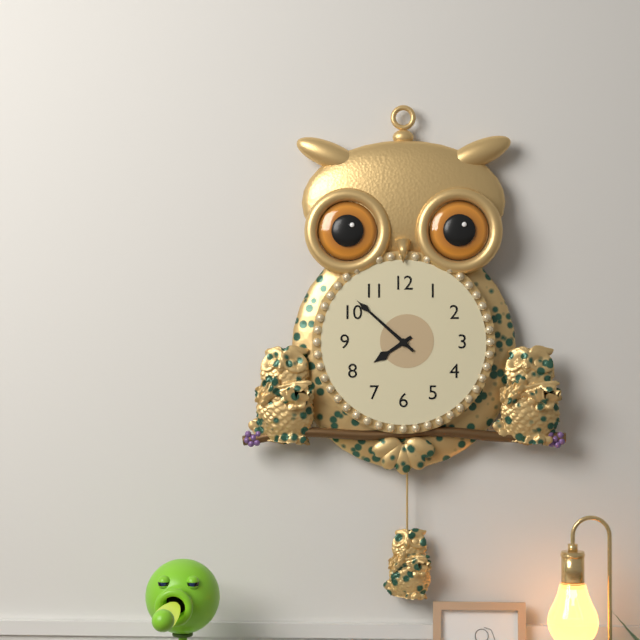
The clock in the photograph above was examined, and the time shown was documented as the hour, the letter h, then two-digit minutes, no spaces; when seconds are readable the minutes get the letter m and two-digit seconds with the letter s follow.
7h52
